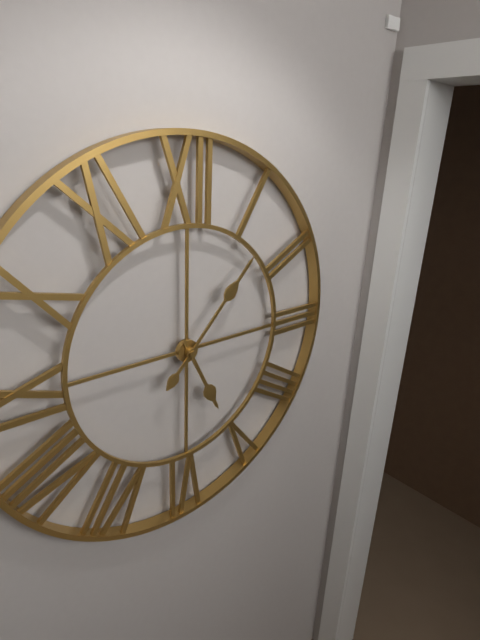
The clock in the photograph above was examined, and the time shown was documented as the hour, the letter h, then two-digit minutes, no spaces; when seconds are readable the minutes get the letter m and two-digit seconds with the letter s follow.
5h07
